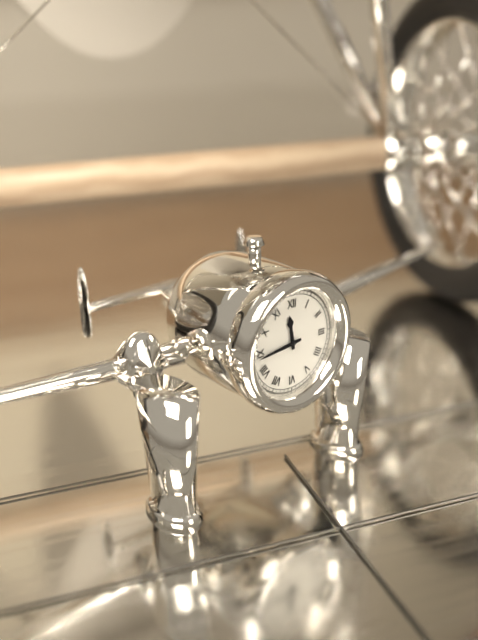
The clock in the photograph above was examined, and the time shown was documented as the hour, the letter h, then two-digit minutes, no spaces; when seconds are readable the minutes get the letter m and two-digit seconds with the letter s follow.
11h44
